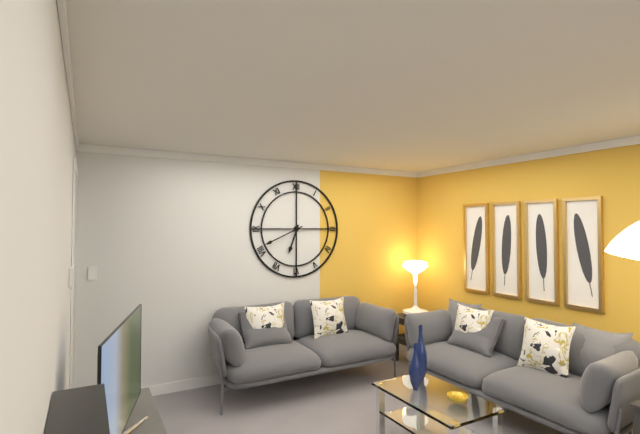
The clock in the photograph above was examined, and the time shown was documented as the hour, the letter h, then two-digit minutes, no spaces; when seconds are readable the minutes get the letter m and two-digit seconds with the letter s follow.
6h41
